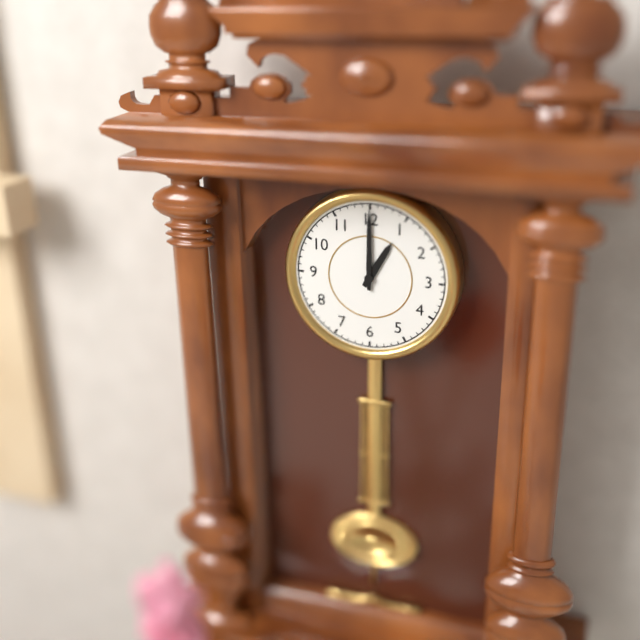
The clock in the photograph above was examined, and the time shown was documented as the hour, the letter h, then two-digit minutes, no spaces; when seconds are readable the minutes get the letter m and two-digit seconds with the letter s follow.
1h00
